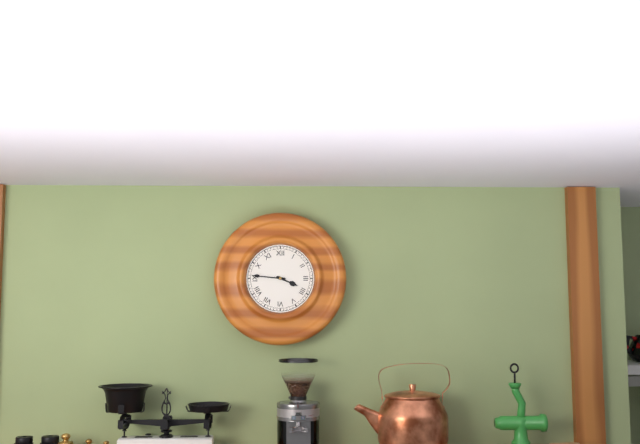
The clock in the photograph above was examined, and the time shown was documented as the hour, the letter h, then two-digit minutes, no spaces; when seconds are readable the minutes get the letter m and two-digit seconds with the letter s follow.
3h46
